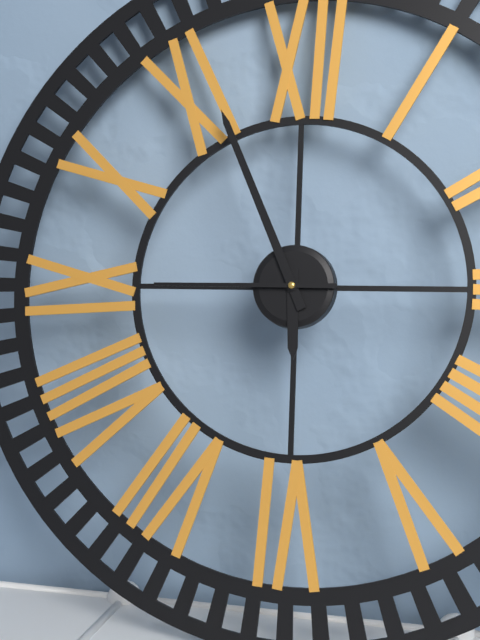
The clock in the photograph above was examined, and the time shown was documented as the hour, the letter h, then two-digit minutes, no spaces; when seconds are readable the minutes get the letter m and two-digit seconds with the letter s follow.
5h56m45s
